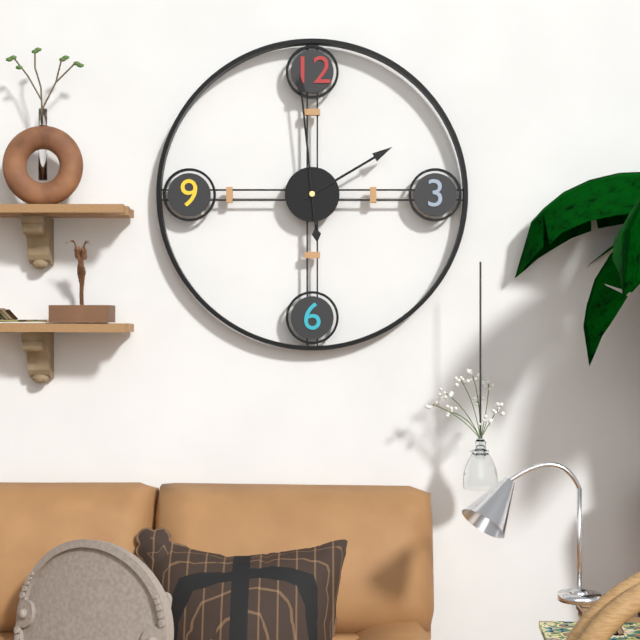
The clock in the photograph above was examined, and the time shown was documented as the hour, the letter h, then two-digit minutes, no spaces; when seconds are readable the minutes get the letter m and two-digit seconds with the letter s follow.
1h59
